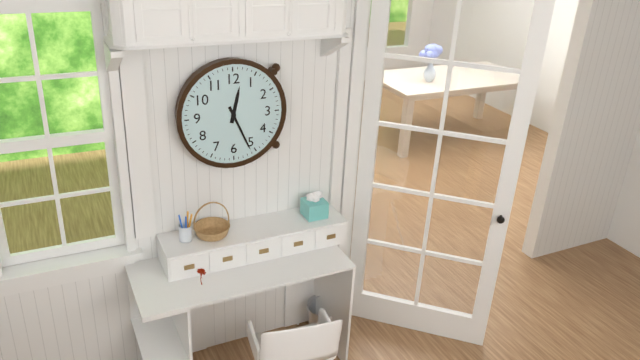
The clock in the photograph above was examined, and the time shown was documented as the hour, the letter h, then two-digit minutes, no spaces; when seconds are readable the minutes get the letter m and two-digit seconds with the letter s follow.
12h26
